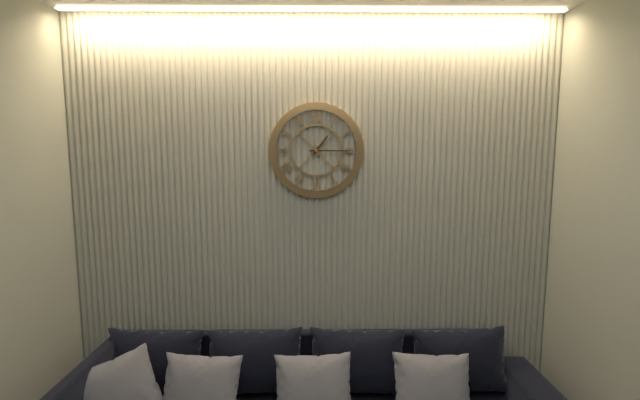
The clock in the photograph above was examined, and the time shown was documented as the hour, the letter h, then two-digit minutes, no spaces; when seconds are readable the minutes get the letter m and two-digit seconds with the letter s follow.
1h15
